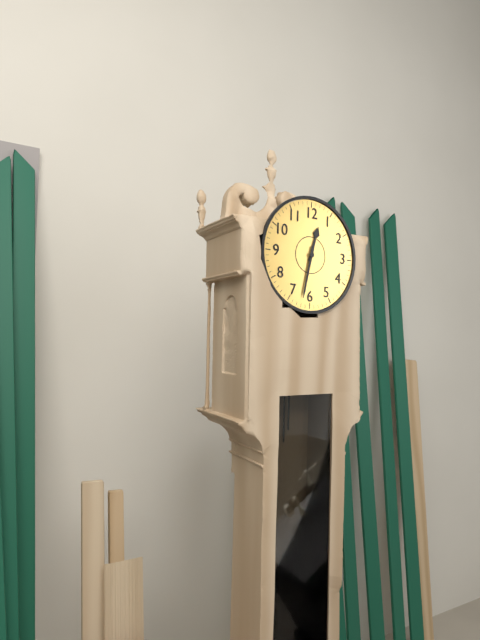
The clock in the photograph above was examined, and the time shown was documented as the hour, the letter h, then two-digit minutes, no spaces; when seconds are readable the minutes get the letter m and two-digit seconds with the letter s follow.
12h32
